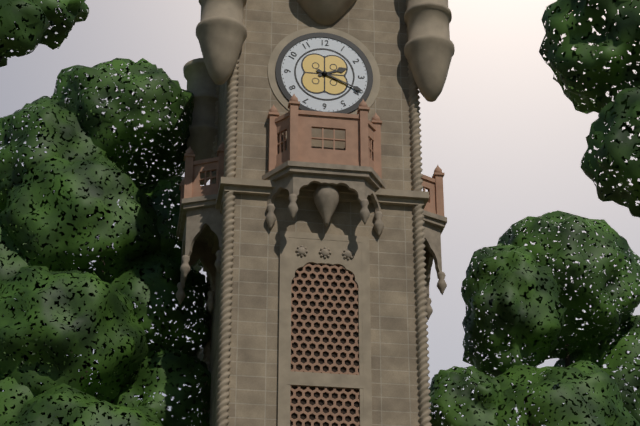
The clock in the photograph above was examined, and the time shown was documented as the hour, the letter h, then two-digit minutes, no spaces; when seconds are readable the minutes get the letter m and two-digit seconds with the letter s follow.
2h19
